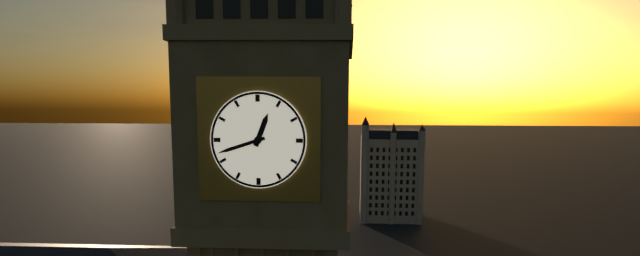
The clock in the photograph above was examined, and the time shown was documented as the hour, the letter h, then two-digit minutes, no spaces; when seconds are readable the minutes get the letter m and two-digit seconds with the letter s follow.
12h42
